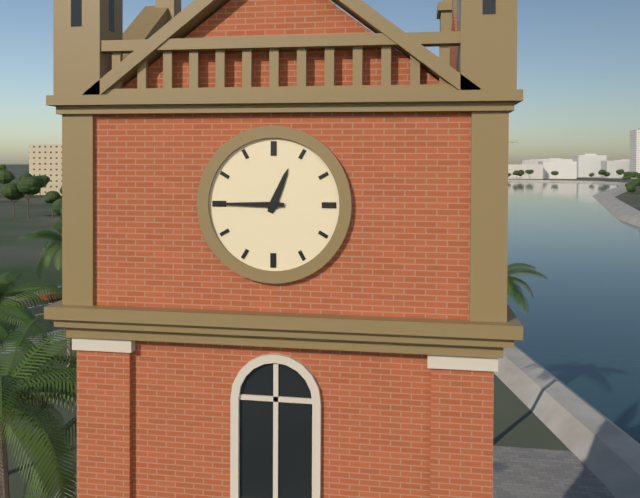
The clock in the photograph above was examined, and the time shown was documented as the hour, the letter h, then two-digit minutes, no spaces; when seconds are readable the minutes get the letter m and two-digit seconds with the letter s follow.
12h45
